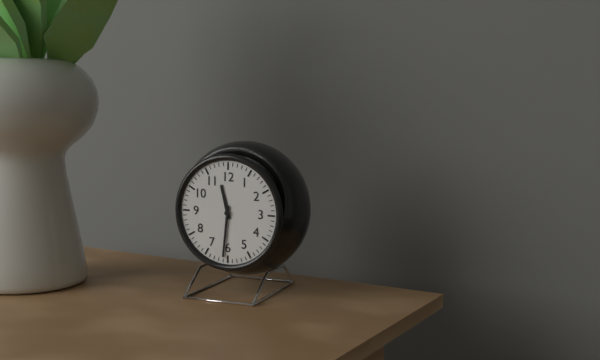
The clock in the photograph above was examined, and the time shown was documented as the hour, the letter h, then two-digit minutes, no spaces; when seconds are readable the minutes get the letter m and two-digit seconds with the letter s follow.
11h31
